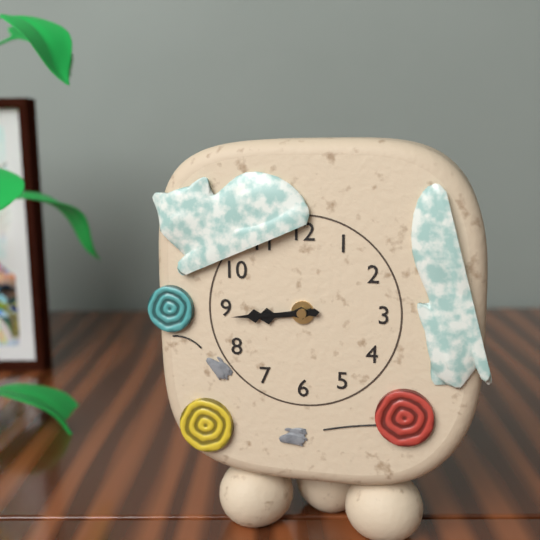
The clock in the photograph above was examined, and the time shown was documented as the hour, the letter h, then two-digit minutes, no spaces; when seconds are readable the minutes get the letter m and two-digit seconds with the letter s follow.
8h44
